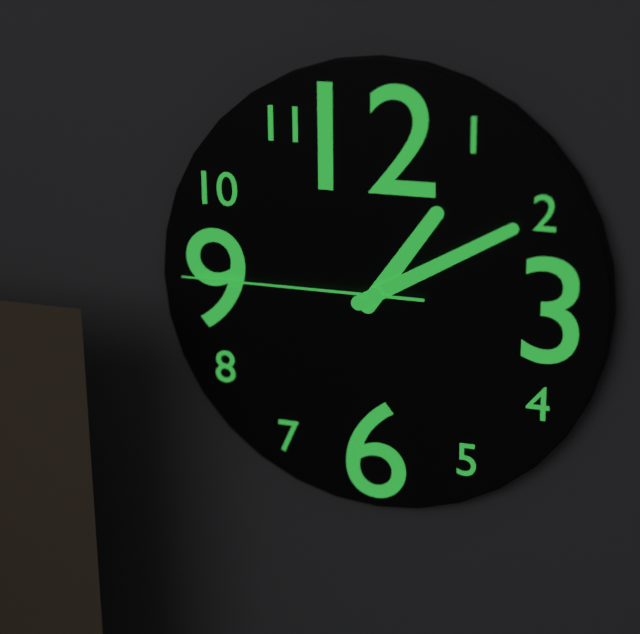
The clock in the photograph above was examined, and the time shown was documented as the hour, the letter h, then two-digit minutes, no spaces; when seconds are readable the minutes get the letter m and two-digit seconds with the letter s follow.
1h10m45s
